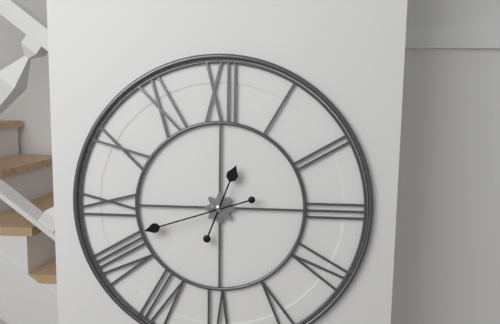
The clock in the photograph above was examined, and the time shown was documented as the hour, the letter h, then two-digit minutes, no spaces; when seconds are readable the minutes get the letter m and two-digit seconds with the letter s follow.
12h42
